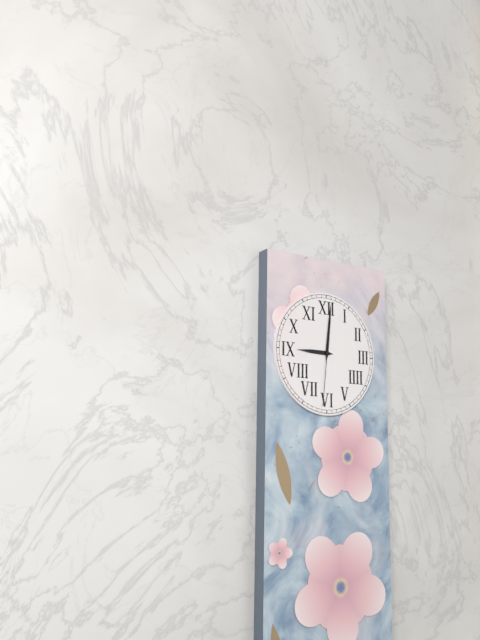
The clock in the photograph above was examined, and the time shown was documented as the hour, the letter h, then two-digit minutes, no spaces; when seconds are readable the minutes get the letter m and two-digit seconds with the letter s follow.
9h01m31s
